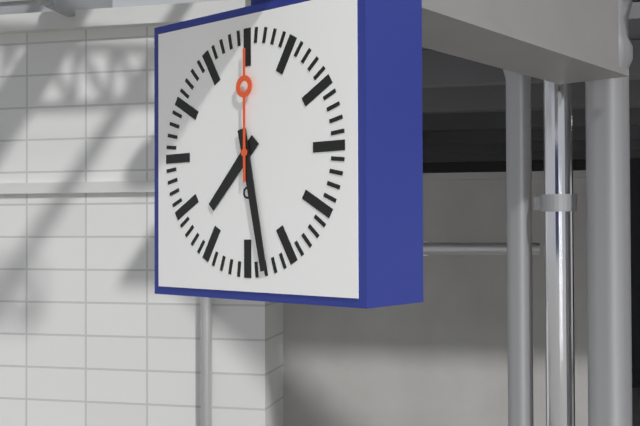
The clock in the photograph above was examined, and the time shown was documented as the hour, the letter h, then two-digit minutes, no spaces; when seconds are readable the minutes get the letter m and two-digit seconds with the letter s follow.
7h28m00s
